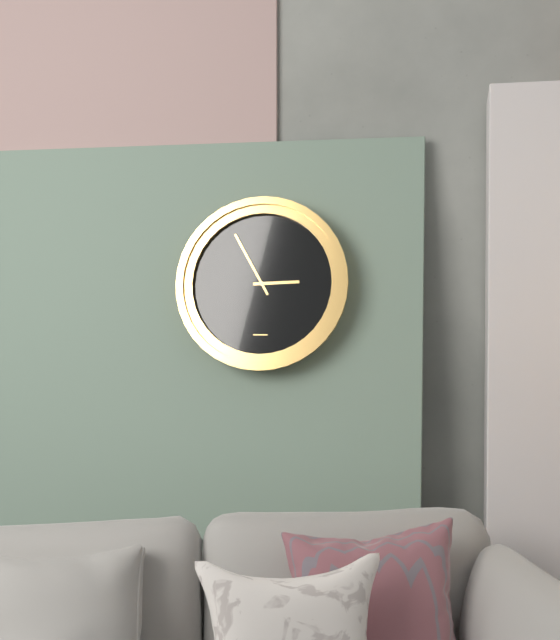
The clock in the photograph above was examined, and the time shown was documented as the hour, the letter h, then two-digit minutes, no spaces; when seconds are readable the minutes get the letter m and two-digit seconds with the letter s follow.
2h55
